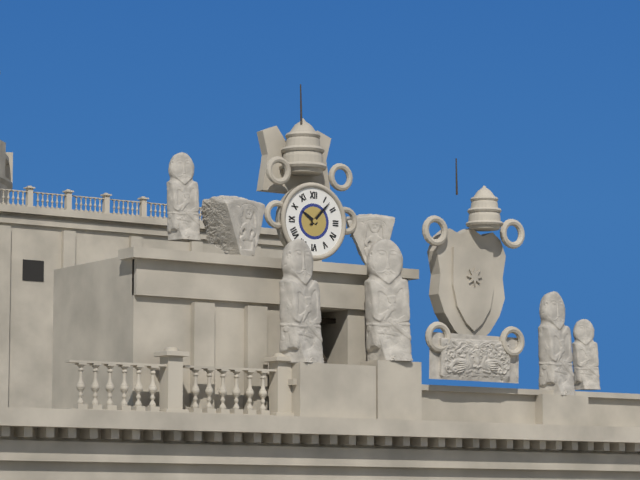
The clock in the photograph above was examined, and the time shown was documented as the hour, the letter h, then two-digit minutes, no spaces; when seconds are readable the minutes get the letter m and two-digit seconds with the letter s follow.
10h07
